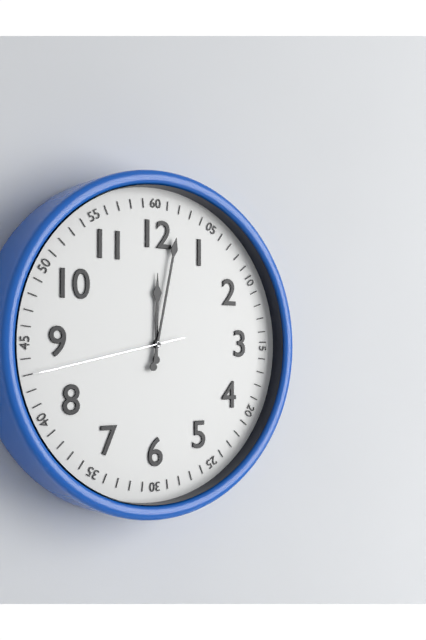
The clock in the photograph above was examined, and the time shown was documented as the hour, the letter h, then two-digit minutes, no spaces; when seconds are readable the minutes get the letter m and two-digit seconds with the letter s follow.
12h02m43s
